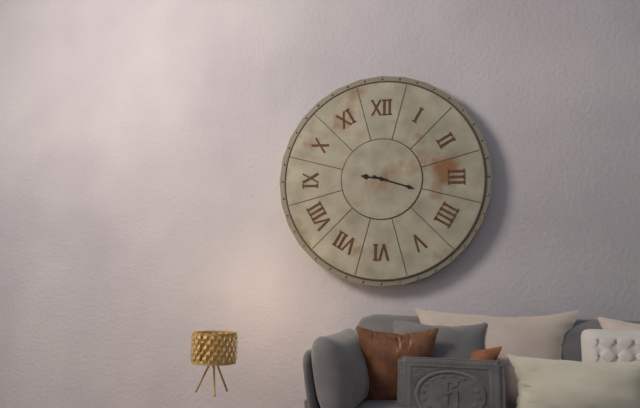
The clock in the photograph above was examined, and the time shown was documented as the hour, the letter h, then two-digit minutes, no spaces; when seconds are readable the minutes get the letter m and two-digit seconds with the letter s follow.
9h18
